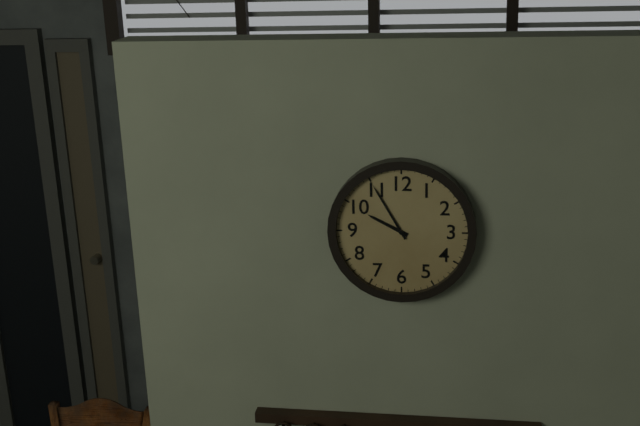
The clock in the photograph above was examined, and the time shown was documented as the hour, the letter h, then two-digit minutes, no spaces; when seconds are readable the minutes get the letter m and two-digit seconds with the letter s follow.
9h55
